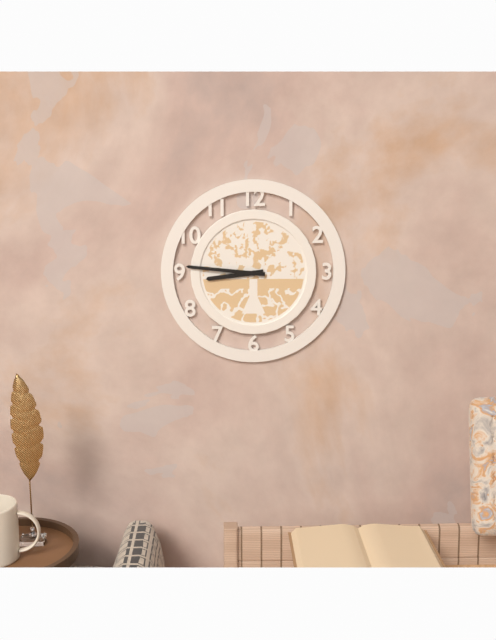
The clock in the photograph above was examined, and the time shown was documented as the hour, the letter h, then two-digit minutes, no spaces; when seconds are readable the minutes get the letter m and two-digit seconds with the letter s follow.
8h46
